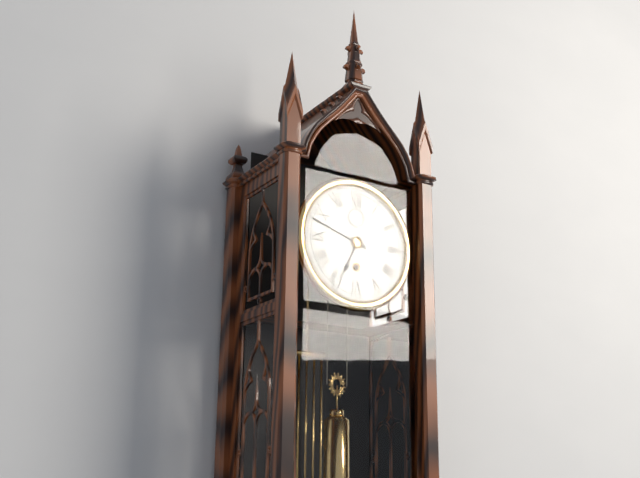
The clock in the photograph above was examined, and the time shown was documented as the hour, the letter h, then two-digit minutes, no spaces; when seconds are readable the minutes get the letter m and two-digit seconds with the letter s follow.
6h48
